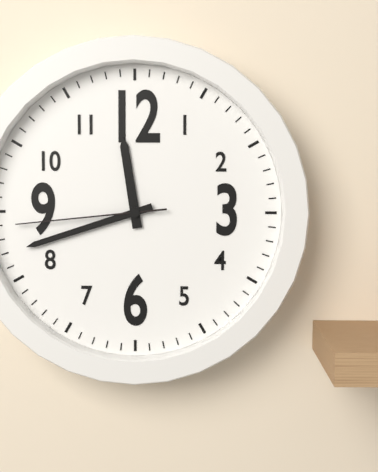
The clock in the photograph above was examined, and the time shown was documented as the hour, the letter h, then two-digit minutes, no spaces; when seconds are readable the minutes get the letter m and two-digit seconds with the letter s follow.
11h42m44s
